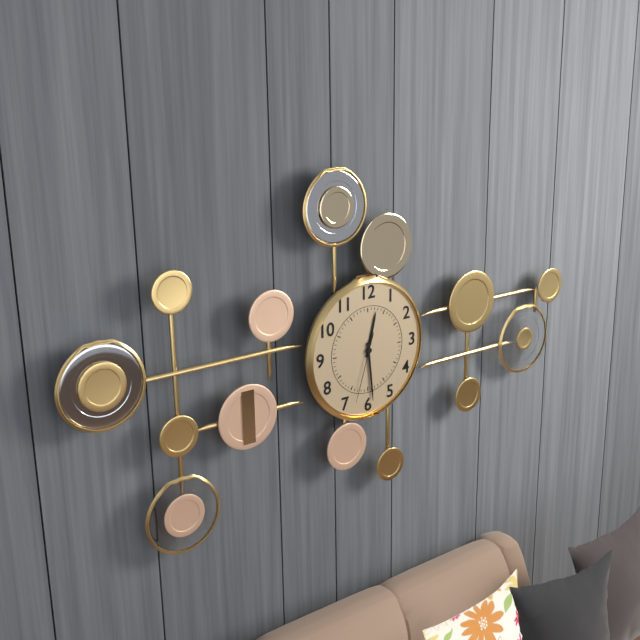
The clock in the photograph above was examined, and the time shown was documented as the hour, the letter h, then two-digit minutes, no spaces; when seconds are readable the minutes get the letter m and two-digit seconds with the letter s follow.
12h29m33s
